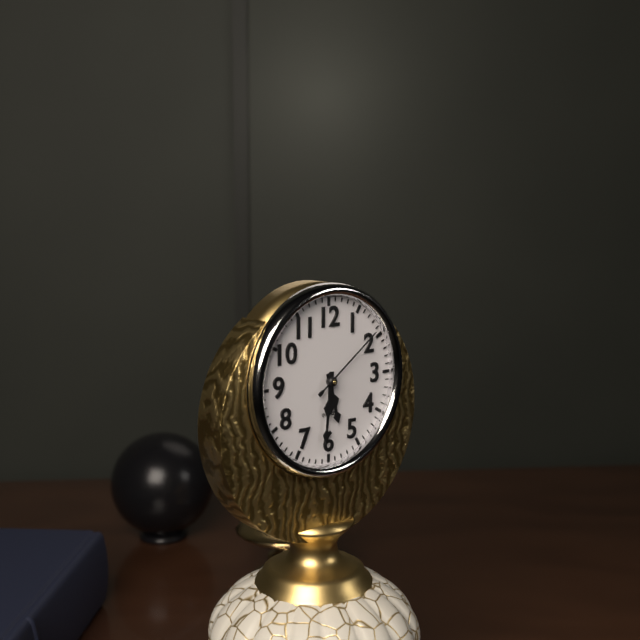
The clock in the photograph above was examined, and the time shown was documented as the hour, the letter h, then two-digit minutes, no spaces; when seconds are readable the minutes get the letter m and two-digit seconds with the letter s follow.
5h31m09s
